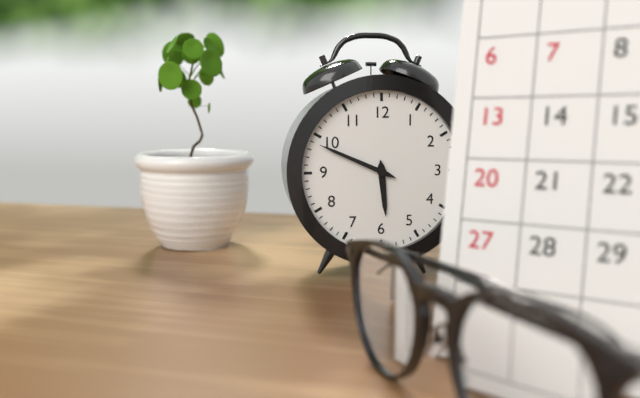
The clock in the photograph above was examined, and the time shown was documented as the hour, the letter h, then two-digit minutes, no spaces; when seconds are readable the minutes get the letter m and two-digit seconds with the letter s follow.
5h49
